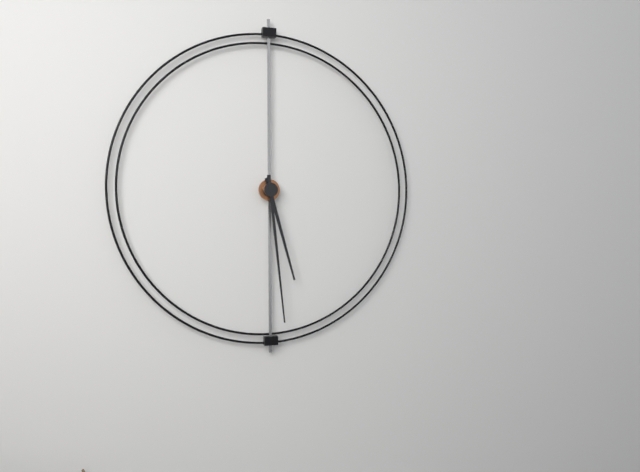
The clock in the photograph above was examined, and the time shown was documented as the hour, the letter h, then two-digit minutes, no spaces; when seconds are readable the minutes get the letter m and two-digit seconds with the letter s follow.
5h29
